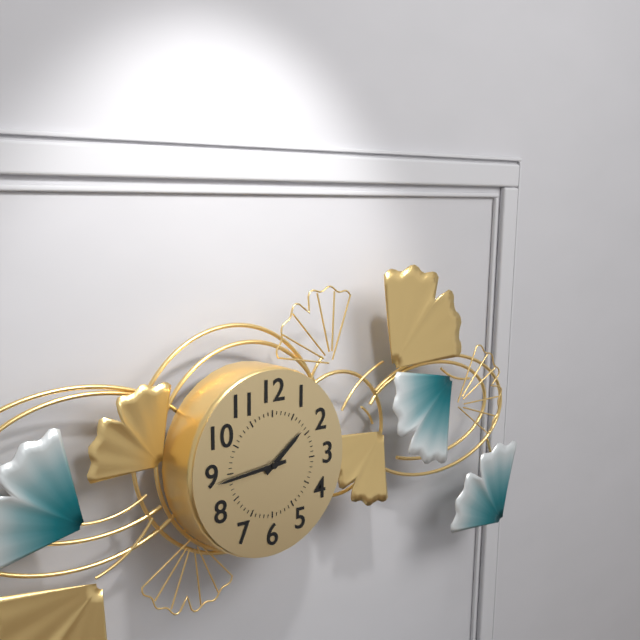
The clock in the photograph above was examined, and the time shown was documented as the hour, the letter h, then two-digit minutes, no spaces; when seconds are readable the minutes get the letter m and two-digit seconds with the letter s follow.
1h44
